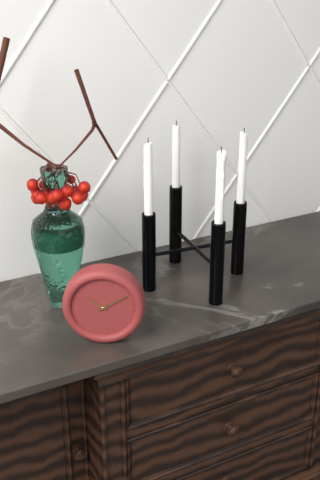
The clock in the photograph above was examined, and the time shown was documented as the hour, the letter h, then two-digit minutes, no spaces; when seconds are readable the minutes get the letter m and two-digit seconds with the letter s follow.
10h10
